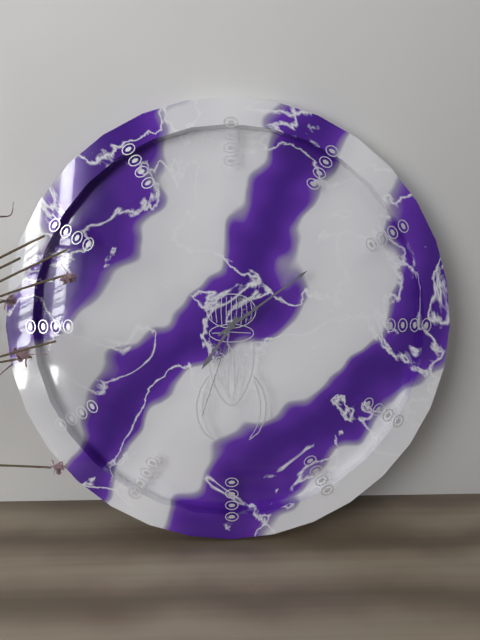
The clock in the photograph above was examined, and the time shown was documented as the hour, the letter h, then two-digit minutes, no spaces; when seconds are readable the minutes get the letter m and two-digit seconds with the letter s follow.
7h09m33s
